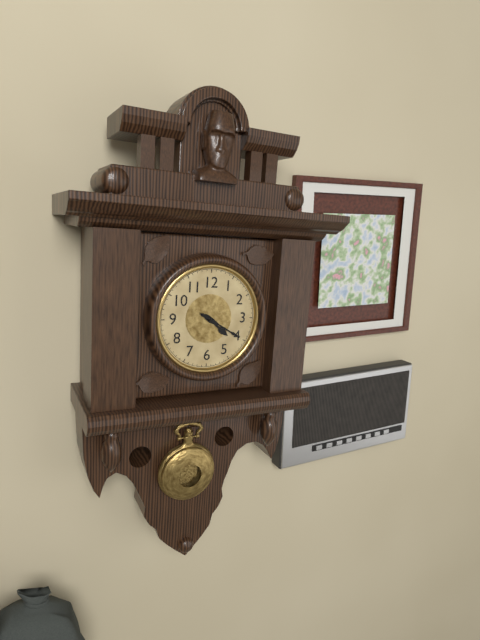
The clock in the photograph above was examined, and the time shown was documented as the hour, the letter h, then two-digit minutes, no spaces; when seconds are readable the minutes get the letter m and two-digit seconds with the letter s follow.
4h20
